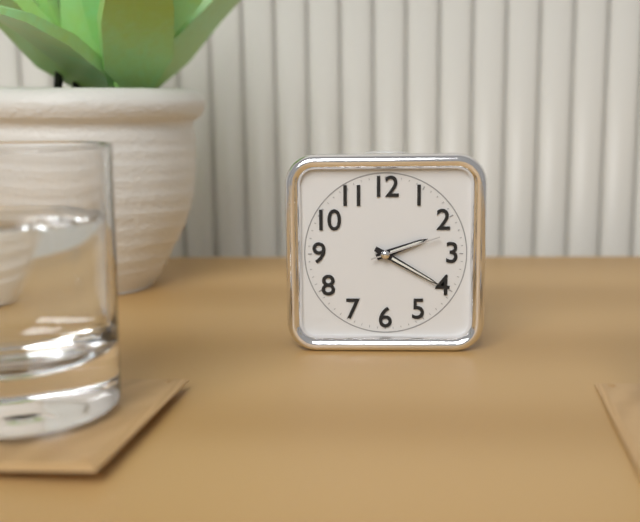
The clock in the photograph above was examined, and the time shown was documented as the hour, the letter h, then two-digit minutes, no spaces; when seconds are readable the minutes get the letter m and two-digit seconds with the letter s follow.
2h20m12s
